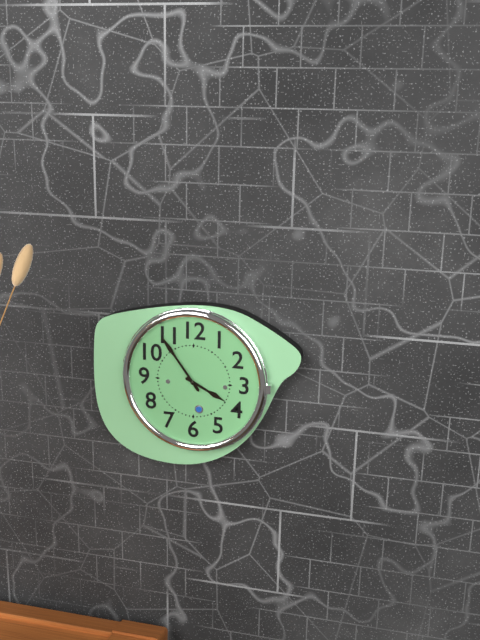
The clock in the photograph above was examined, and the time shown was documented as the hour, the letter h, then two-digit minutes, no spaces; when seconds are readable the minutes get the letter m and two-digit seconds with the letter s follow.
3h54
